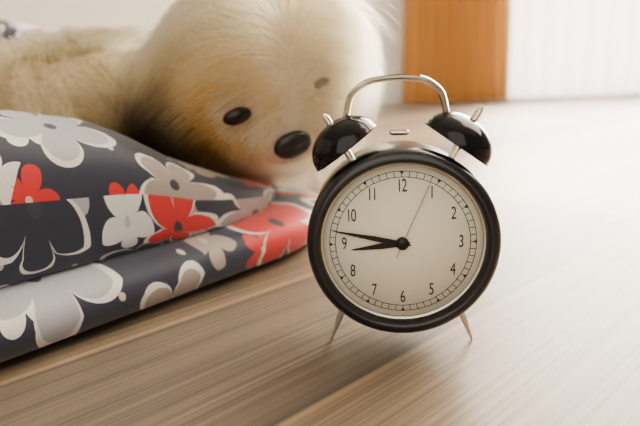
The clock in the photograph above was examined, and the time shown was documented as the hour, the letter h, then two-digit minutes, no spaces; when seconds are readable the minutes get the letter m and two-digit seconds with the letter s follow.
8h47m04s
